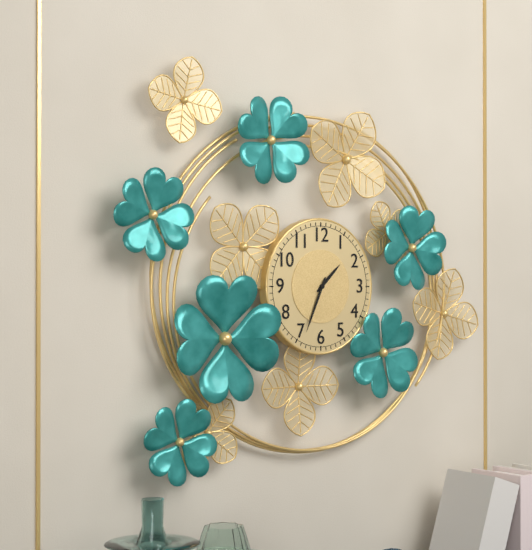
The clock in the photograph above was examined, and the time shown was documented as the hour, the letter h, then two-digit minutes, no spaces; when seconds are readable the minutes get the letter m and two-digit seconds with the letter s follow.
1h34
